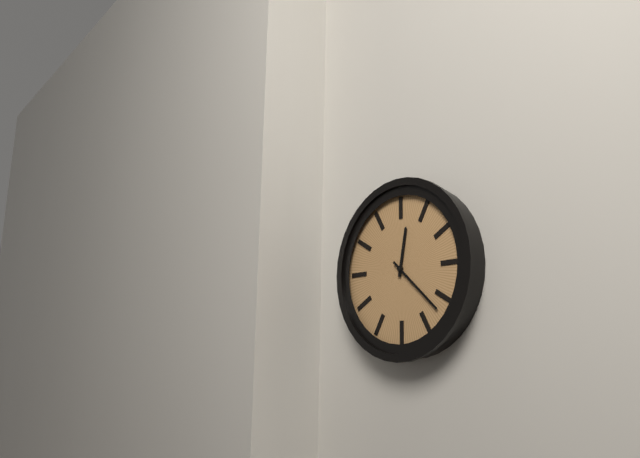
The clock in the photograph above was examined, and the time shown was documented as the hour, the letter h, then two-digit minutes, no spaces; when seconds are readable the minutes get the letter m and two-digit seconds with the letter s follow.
12h22
